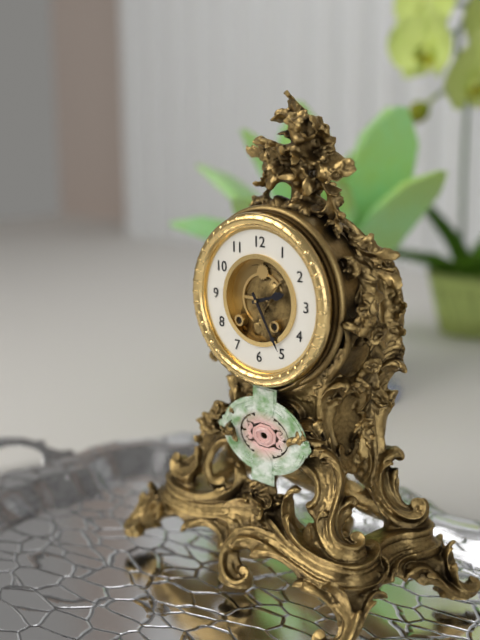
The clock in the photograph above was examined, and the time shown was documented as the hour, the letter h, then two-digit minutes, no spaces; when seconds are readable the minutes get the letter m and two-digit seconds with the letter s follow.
2h25
